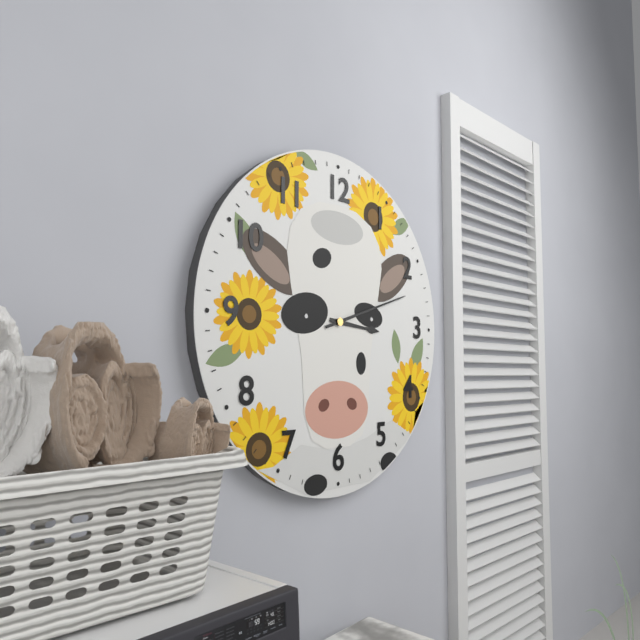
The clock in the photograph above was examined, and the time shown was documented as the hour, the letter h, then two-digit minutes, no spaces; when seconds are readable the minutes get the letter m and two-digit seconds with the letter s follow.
3h12
